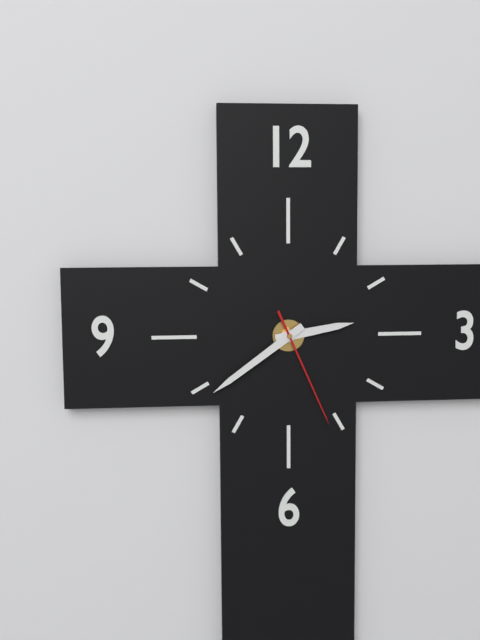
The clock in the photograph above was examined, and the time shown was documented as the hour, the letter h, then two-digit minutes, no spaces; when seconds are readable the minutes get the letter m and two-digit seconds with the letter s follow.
2h39m26s
